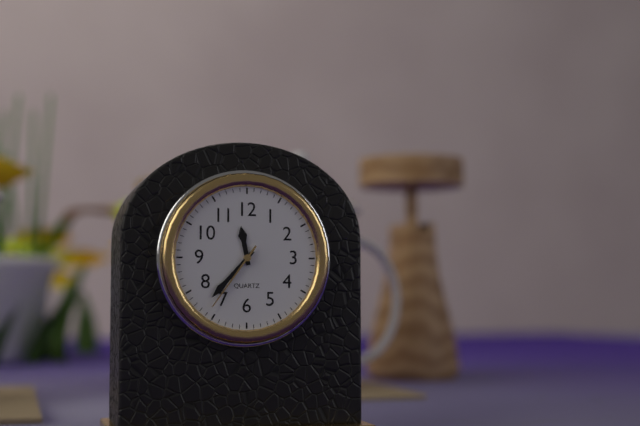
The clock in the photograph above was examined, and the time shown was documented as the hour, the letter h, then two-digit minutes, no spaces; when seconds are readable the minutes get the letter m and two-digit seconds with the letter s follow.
11h37m36s
